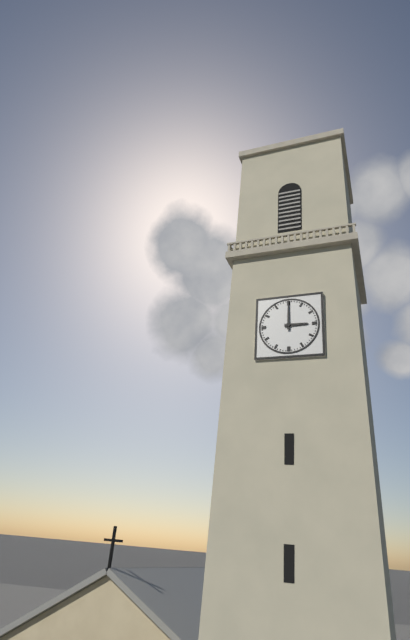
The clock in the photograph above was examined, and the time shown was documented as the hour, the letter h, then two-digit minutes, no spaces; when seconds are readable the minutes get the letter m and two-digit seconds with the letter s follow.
3h00
